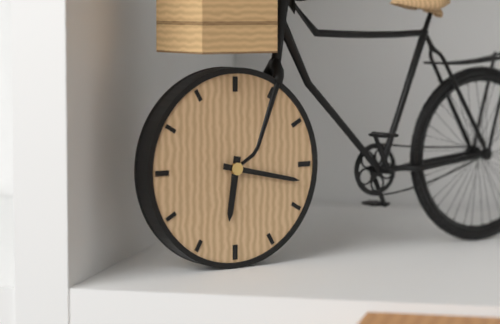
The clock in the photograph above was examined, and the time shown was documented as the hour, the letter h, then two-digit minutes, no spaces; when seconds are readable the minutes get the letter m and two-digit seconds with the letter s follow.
6h17
